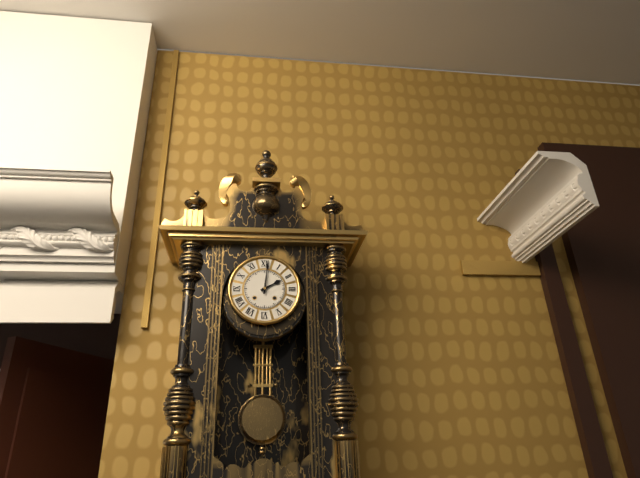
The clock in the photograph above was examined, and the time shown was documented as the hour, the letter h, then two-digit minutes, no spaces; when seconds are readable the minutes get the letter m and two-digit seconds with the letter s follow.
2h01
